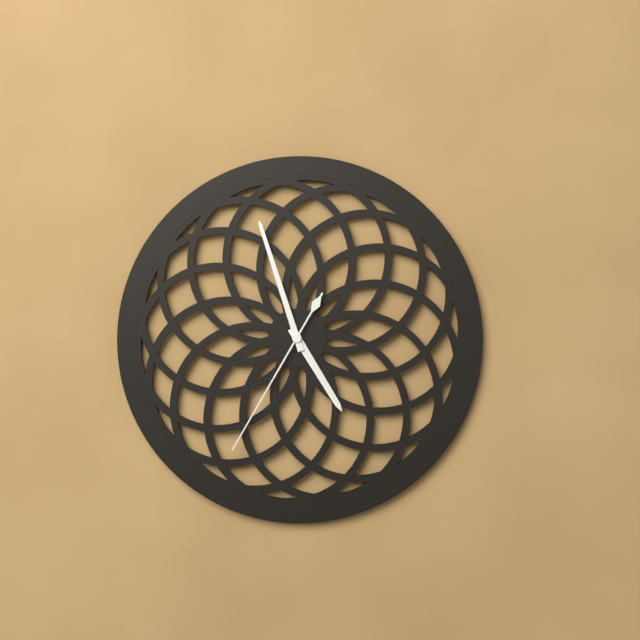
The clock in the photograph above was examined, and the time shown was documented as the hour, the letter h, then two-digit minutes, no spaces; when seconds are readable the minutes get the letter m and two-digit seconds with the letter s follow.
4h57m35s
